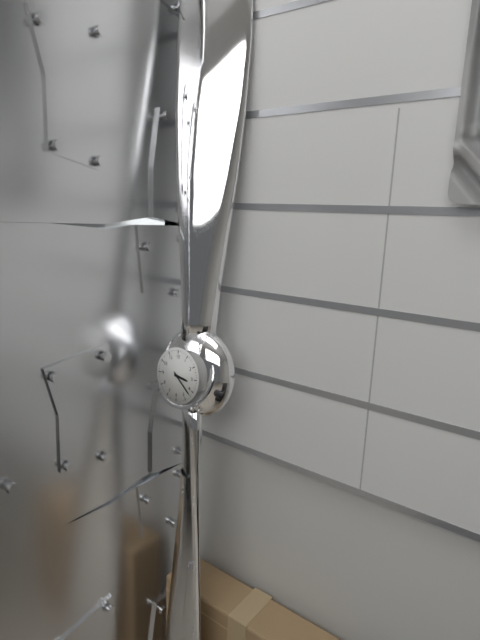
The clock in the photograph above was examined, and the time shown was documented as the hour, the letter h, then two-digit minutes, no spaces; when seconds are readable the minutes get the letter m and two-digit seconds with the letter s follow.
3h22
